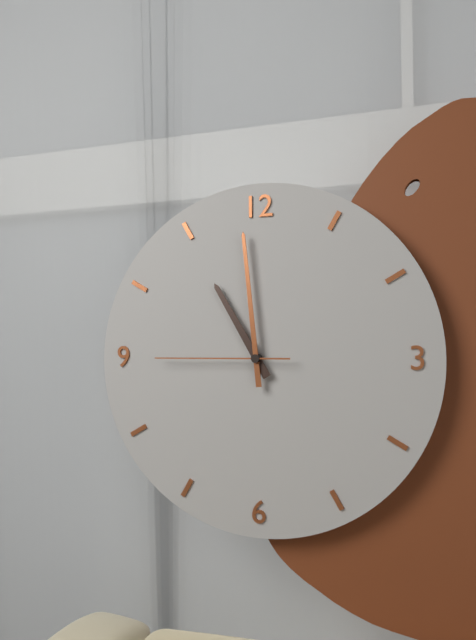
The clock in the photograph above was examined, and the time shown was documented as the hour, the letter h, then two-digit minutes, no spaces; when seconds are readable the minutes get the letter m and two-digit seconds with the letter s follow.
10h59m45s
